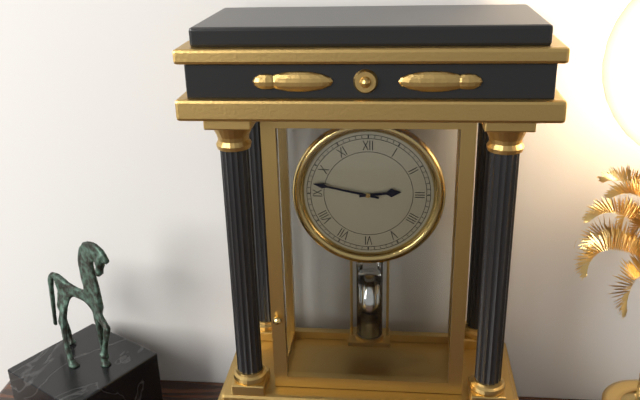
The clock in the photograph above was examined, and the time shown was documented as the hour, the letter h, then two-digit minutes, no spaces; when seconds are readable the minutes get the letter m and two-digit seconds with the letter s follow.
2h47
